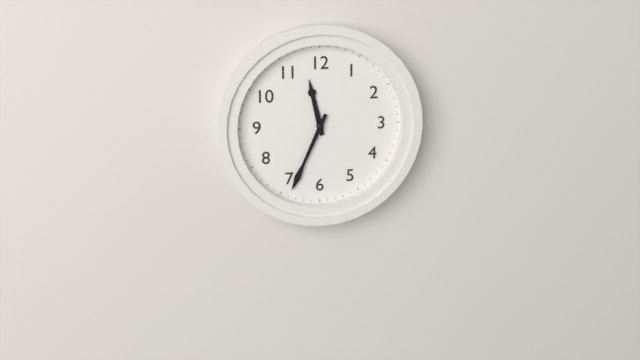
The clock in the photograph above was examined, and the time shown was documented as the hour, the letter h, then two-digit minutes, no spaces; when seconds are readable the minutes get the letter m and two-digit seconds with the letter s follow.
11h34
